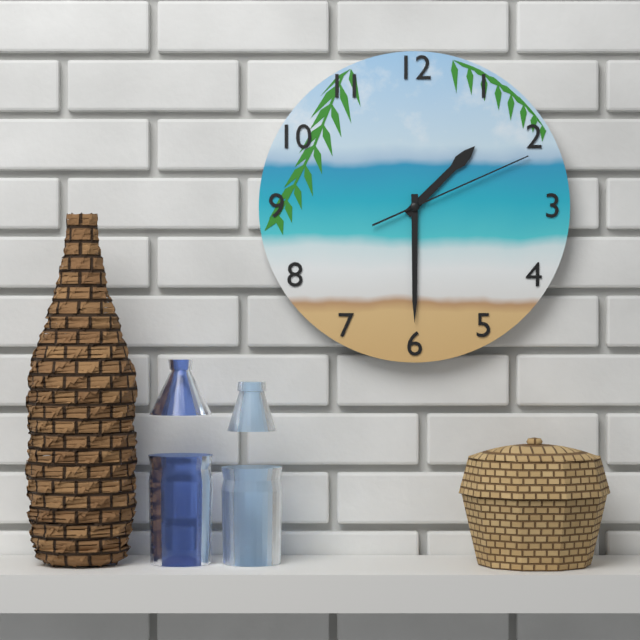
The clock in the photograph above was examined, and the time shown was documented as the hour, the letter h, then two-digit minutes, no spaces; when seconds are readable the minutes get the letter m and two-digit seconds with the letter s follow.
1h30m11s
